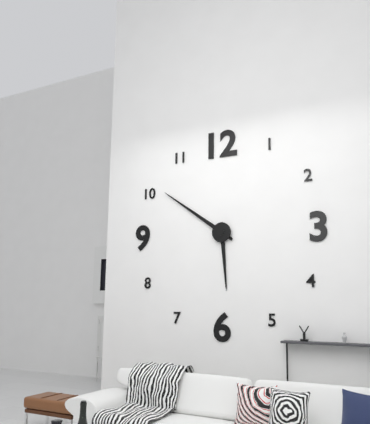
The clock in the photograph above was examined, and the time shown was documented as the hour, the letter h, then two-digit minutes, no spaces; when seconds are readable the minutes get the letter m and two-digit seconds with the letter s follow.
5h51
